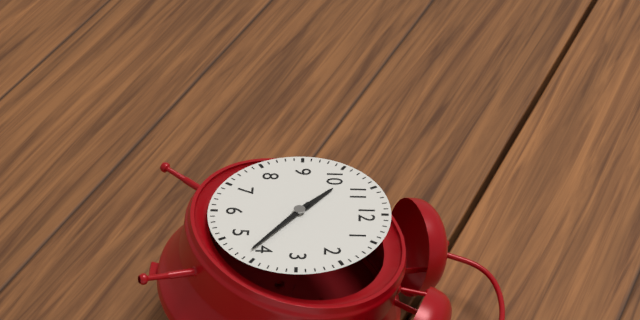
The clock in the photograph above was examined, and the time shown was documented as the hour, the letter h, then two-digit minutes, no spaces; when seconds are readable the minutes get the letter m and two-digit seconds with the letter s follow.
10h21
